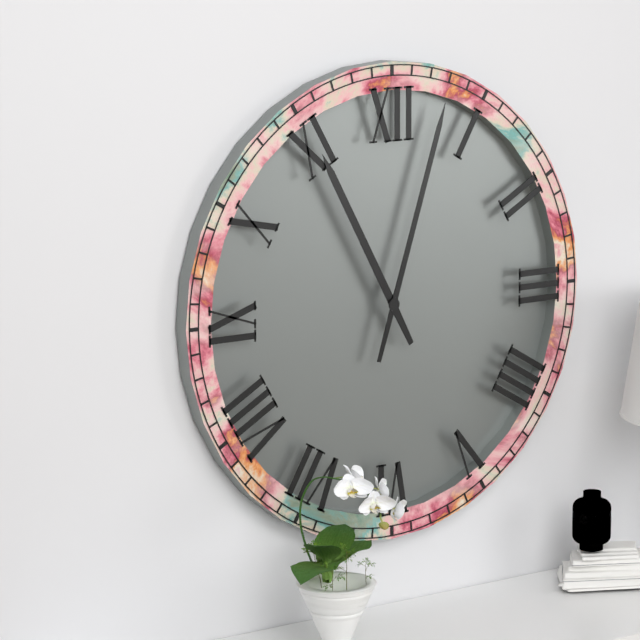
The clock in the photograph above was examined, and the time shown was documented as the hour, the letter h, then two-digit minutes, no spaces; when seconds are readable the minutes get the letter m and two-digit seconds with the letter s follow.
11h03
